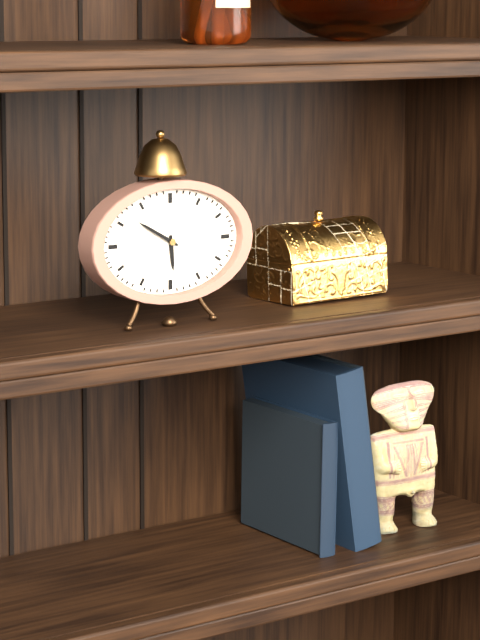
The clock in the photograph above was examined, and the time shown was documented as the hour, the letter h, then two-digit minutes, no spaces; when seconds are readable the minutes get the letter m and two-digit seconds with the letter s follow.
5h50
